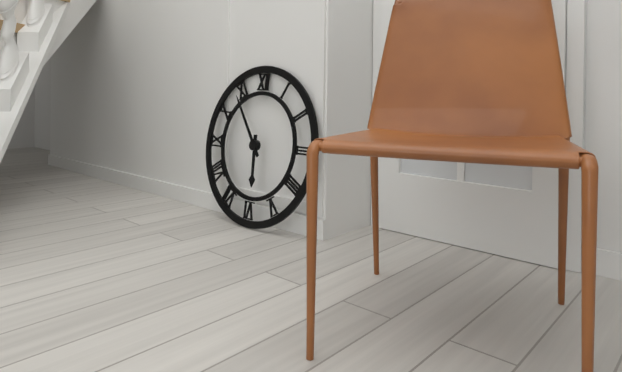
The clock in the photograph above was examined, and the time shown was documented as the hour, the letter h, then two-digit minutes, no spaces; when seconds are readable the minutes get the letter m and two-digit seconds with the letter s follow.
5h54
